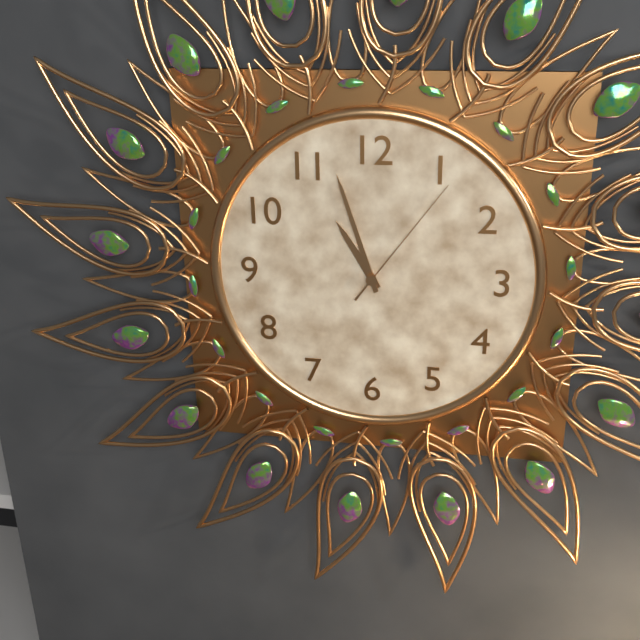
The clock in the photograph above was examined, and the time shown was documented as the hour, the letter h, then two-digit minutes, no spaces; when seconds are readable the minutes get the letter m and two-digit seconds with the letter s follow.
10h57m06s
